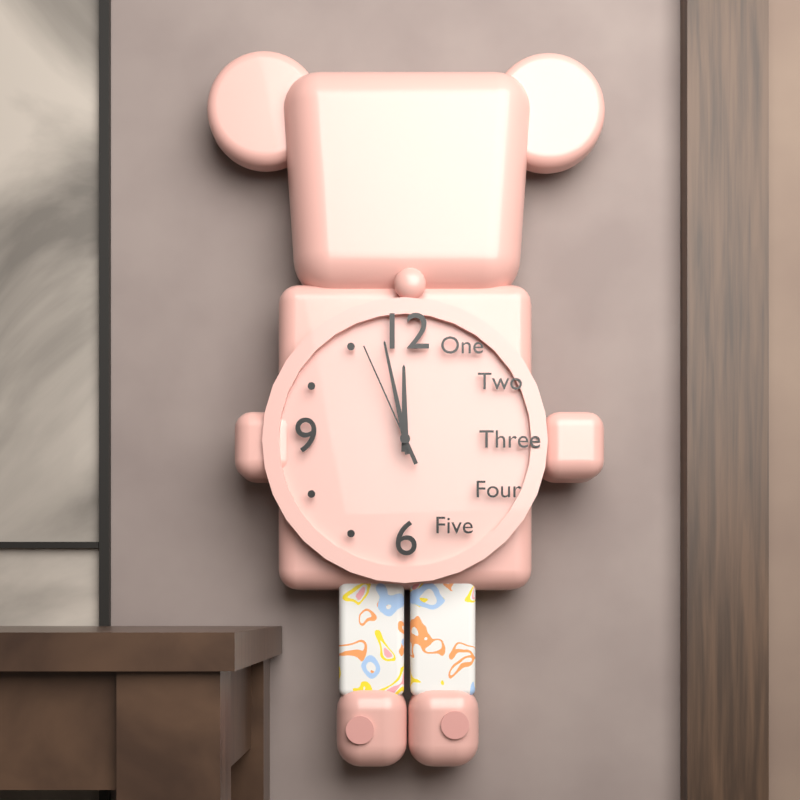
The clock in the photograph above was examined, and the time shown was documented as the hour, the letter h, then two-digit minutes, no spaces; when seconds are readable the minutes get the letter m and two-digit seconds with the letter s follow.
11h58m56s
